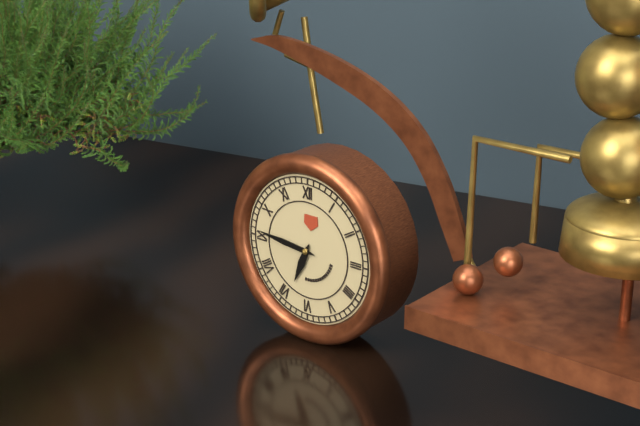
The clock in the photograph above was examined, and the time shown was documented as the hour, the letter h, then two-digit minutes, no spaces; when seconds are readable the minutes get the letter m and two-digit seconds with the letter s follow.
6h46
